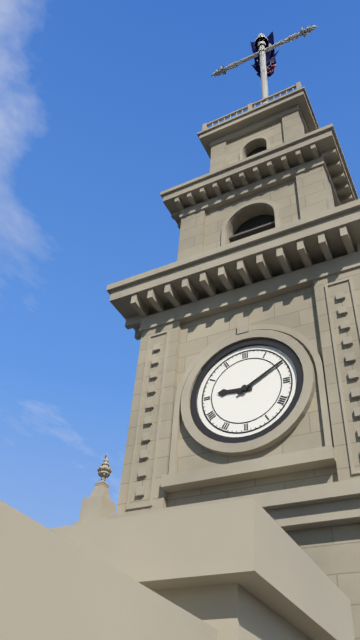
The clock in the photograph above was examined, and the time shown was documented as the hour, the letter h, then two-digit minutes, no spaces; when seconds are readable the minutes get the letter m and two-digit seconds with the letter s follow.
9h10
